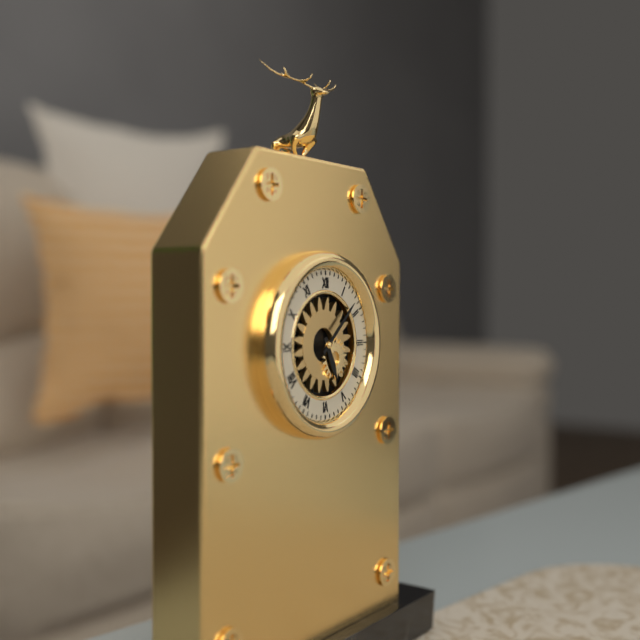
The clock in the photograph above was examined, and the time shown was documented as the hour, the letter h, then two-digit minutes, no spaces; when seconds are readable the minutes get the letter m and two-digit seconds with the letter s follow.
5h08
